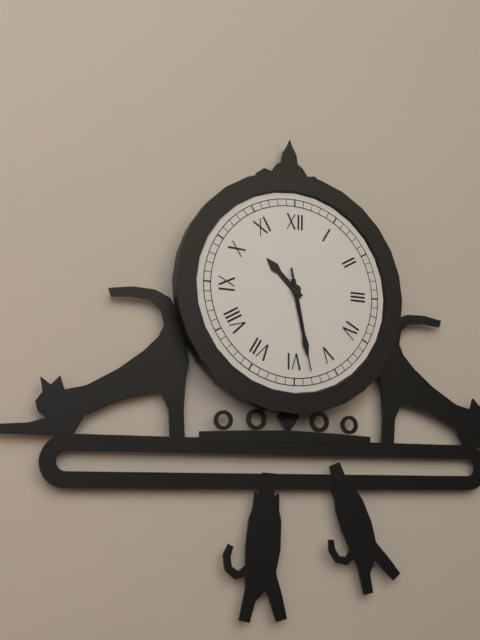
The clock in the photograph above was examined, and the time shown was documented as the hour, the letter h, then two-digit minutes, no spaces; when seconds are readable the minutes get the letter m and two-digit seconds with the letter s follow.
10h28m28s
